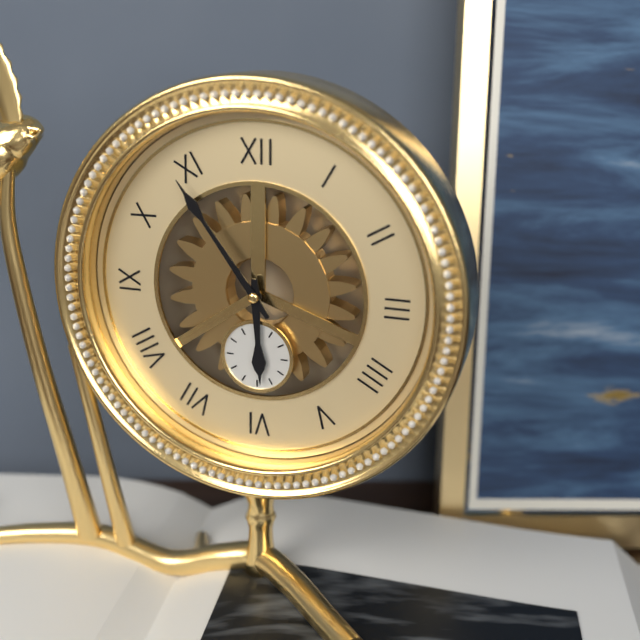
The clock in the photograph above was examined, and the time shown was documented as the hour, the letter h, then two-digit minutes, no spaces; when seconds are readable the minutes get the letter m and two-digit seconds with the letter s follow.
5h54
